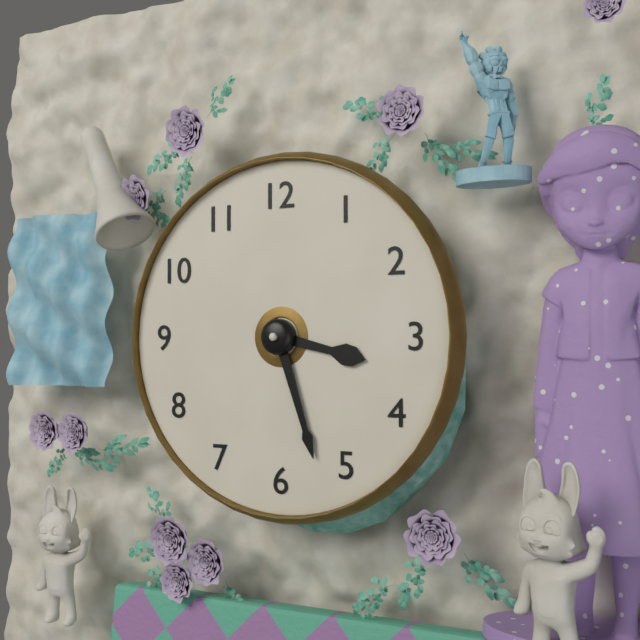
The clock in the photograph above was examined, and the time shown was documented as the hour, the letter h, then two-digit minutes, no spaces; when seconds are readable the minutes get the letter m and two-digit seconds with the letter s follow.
3h27
